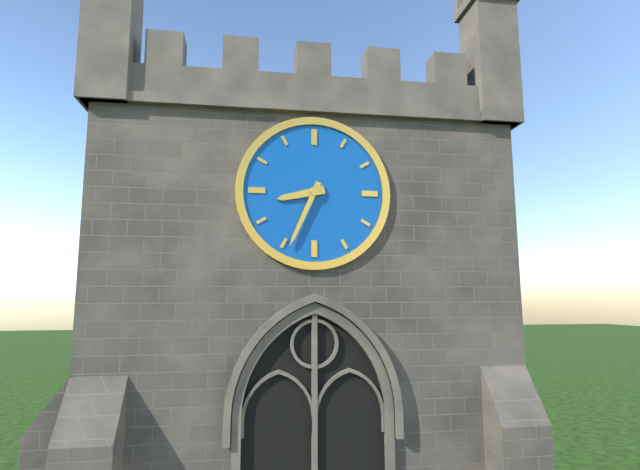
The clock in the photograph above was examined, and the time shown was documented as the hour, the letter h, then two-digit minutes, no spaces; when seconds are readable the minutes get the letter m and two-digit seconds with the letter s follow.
8h34
